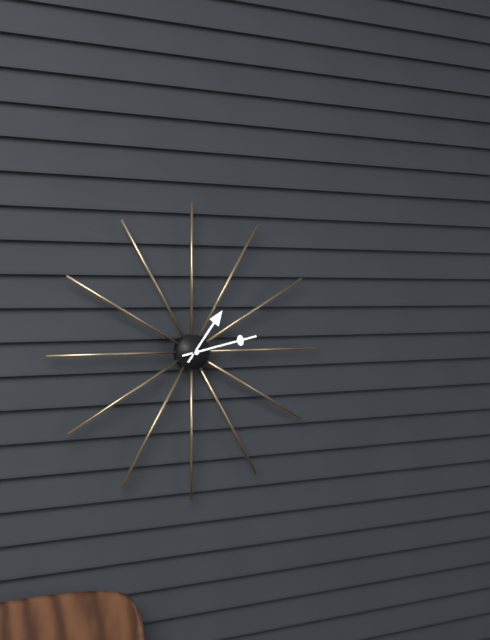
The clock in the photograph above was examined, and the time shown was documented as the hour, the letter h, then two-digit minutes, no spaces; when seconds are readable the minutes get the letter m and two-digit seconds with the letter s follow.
1h13
